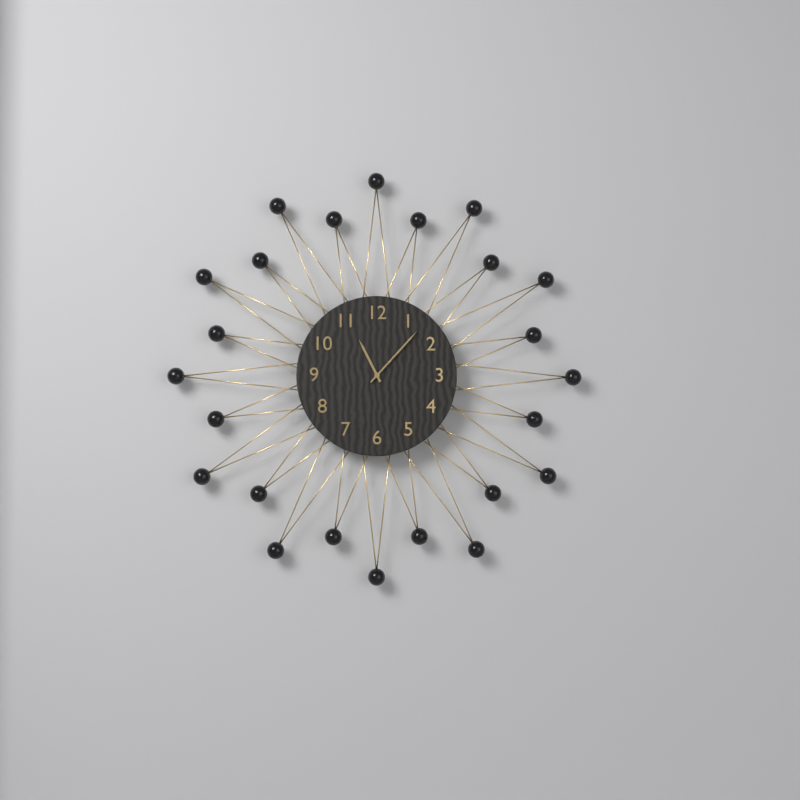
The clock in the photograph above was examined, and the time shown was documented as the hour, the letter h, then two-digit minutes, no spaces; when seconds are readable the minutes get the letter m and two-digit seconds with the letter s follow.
11h07
